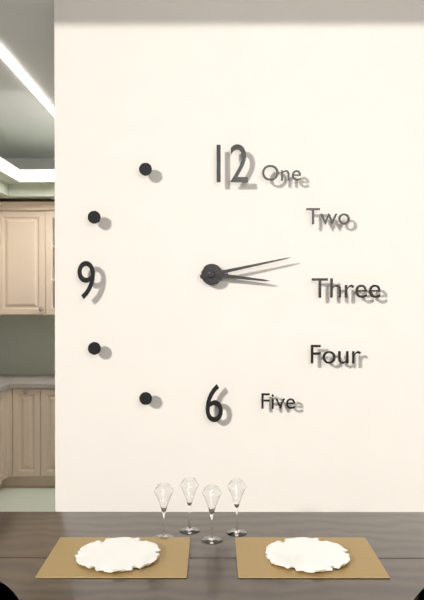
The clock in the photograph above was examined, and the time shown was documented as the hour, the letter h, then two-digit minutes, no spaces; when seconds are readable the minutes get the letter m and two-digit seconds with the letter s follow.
3h13
